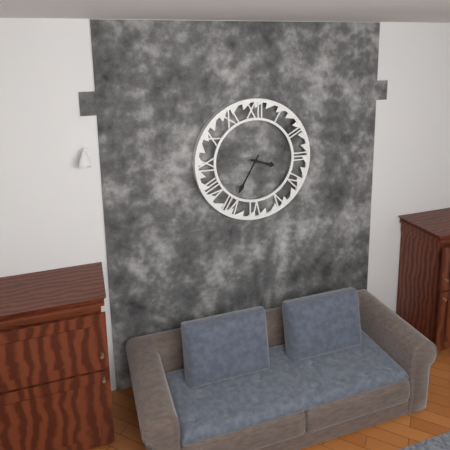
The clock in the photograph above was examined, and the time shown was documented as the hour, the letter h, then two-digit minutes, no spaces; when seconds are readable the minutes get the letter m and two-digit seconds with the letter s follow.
3h35
